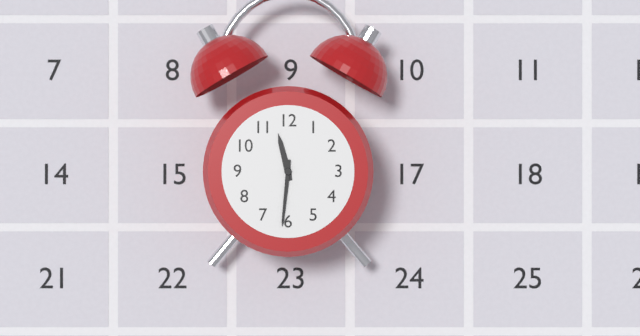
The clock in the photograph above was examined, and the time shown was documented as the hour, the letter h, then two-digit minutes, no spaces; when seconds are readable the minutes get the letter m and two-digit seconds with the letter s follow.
11h31
